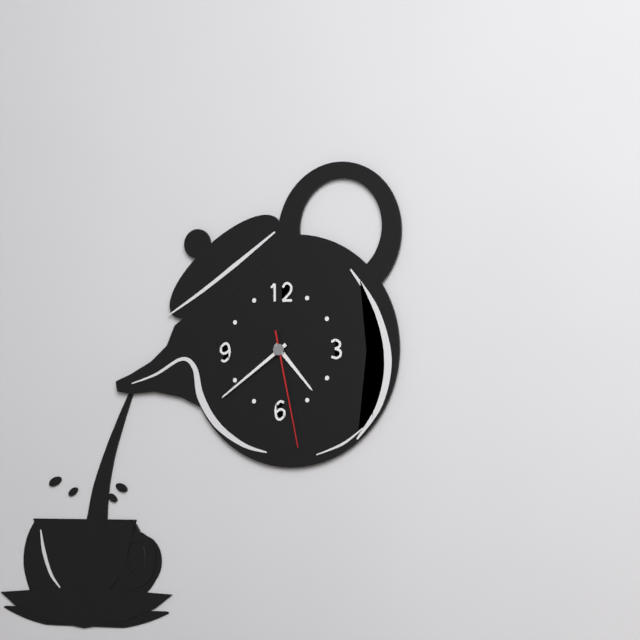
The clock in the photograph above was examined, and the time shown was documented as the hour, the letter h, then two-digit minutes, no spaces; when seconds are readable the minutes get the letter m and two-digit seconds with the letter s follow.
4h39m28s
